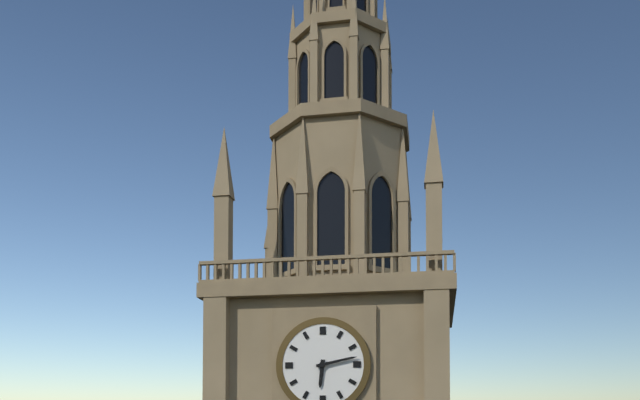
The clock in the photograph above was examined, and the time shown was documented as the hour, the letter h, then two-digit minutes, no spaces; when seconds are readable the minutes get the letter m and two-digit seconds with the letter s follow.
6h13
